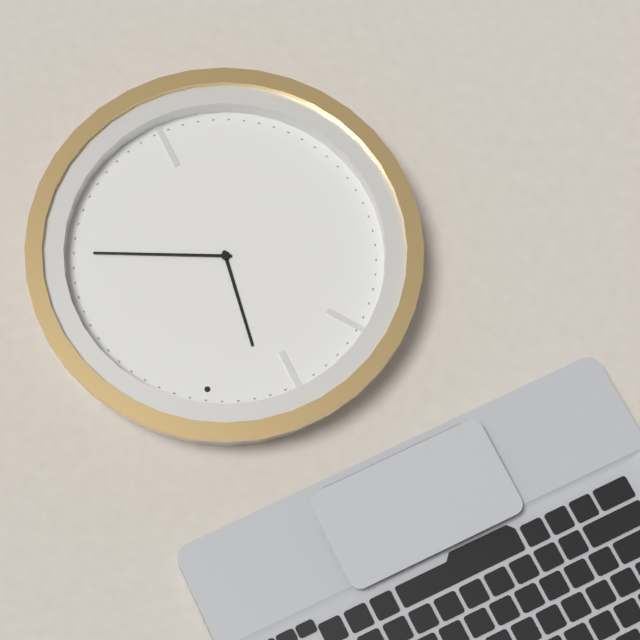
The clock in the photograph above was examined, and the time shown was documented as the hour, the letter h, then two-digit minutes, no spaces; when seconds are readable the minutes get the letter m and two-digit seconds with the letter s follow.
11h14
